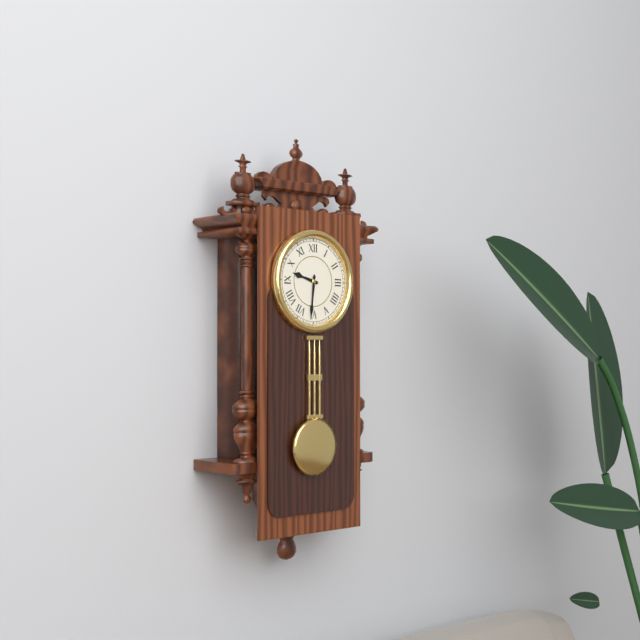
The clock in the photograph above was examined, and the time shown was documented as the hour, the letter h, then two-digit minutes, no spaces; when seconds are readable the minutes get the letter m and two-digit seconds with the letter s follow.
9h31
